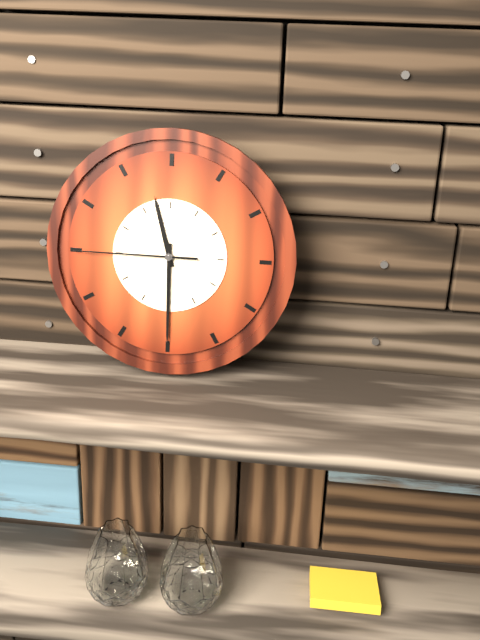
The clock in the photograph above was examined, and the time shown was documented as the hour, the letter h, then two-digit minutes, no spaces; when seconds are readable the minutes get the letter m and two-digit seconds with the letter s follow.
11h30m45s
